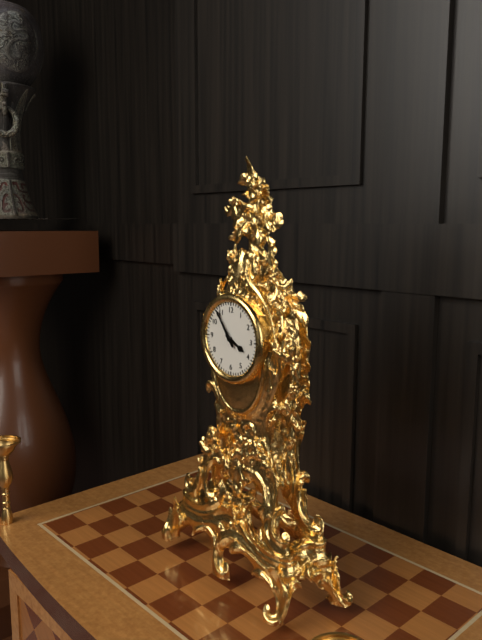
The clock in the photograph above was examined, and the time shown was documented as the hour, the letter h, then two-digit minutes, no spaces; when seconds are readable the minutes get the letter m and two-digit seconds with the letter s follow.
3h54
